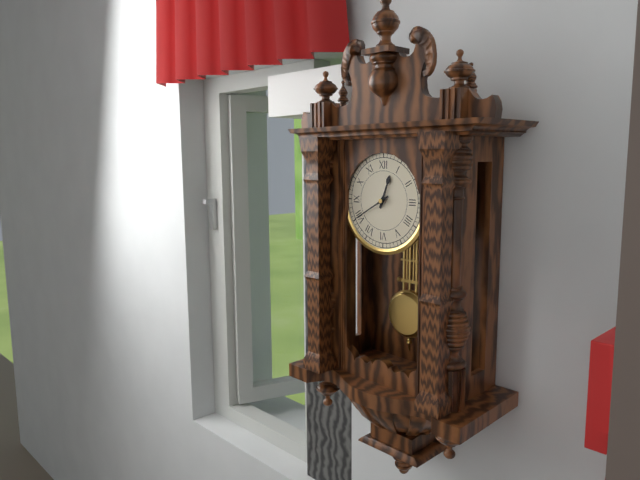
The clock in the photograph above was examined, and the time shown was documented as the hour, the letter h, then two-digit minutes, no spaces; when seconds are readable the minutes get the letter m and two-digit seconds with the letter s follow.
12h40
